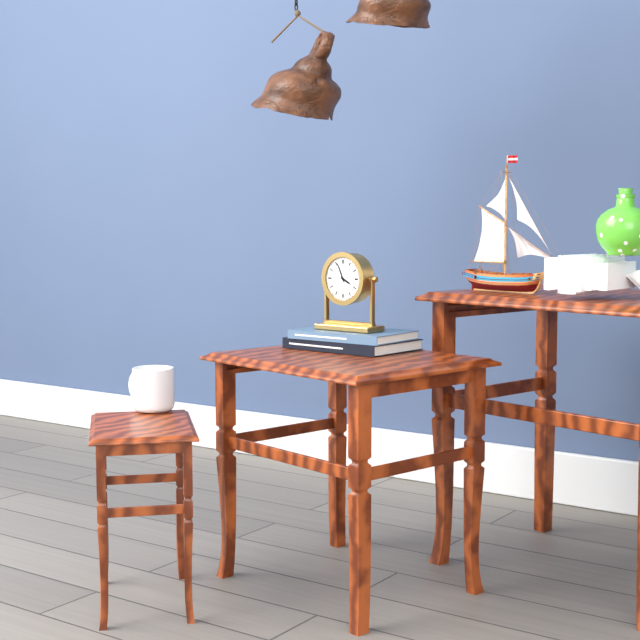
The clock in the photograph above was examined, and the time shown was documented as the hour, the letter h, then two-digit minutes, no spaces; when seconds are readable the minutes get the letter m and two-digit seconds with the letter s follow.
3h56
